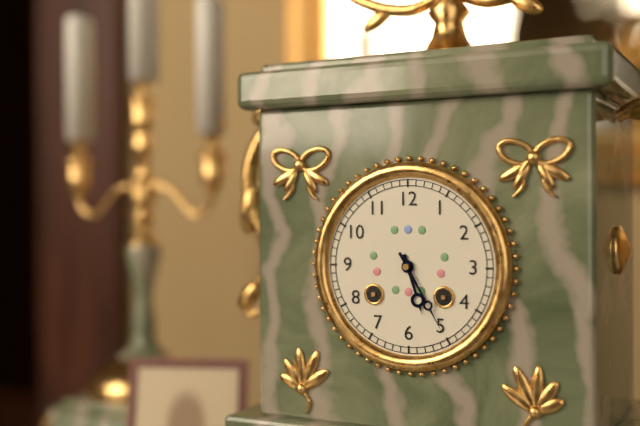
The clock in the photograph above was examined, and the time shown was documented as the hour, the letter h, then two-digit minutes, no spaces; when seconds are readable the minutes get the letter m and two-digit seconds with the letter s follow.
5h25
